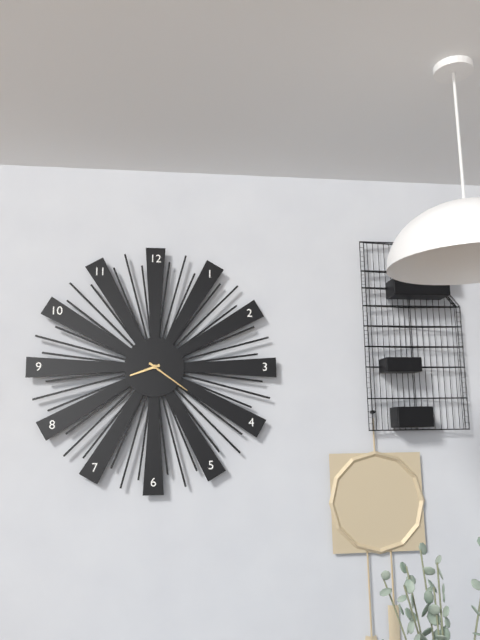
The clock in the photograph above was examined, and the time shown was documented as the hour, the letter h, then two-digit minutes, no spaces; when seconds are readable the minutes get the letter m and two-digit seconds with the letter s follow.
8h21
